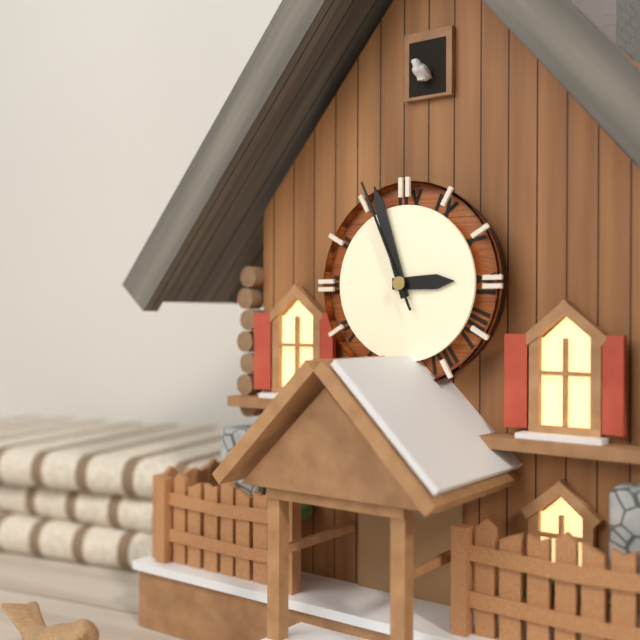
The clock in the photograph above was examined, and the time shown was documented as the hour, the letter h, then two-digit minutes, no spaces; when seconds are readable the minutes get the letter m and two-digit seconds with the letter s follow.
2h57m56s
